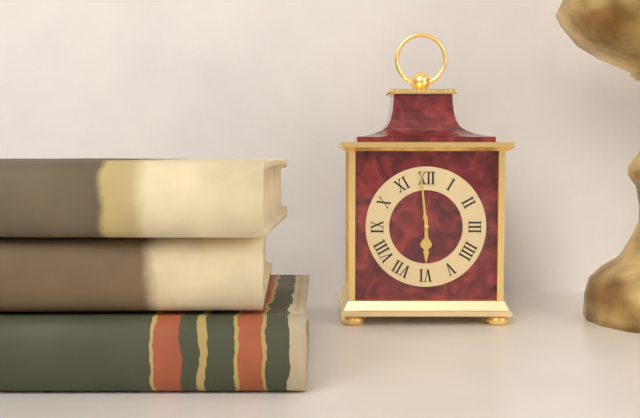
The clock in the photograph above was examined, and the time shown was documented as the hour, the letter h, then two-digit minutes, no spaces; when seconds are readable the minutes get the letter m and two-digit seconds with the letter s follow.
5h59
